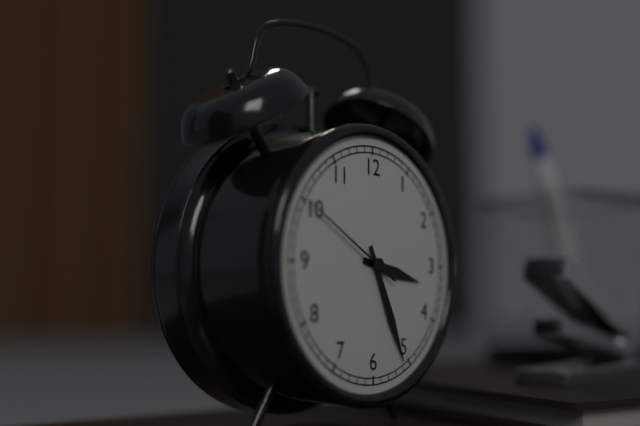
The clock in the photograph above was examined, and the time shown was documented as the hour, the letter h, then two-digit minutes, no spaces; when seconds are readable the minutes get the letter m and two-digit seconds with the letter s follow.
3h26m50s
